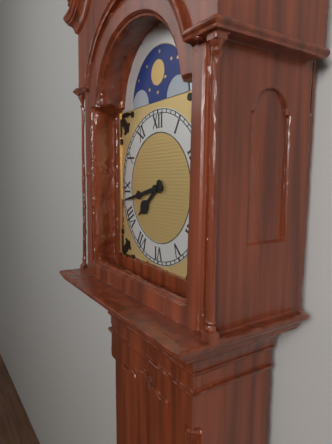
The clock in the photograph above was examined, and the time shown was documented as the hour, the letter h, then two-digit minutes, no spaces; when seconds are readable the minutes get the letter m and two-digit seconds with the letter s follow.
7h43
